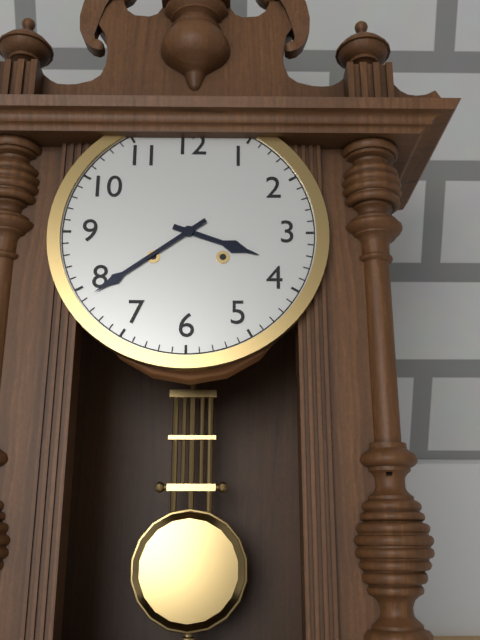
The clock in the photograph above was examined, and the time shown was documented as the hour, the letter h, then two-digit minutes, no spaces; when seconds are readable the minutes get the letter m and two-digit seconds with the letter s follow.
3h39
